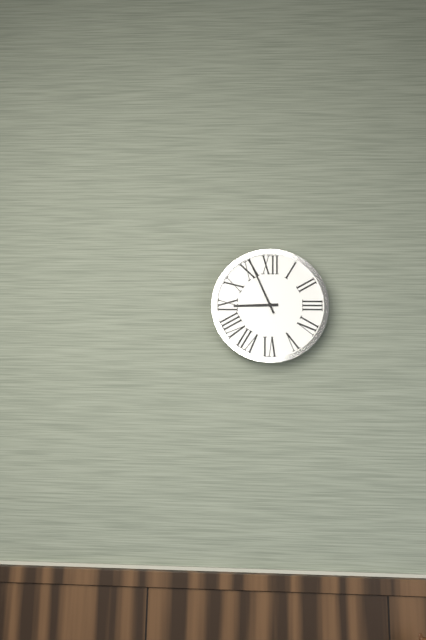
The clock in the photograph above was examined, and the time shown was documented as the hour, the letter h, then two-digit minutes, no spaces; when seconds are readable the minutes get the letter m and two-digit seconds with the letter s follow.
8h56
